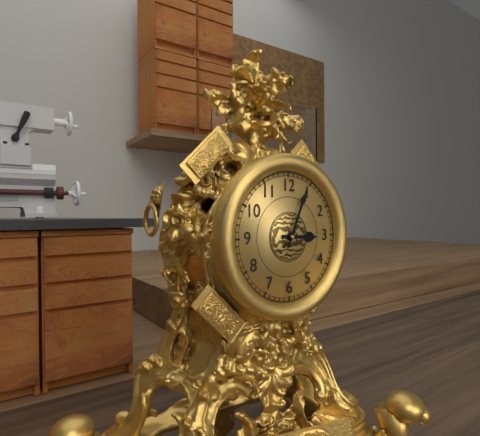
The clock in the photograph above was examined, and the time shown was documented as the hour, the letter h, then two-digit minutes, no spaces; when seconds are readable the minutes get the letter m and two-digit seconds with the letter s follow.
3h04
